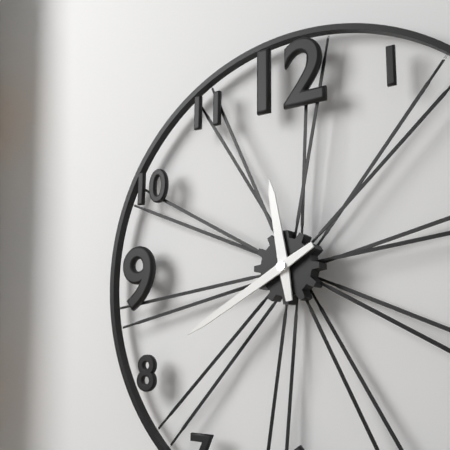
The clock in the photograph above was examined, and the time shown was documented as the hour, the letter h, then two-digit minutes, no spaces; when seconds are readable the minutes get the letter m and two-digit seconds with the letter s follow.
11h40
